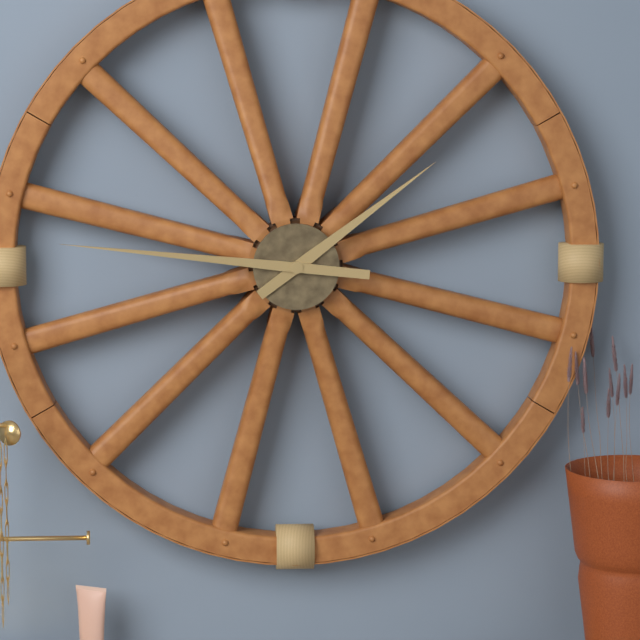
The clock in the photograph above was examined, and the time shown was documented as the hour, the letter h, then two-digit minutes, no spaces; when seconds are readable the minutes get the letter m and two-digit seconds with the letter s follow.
1h46
